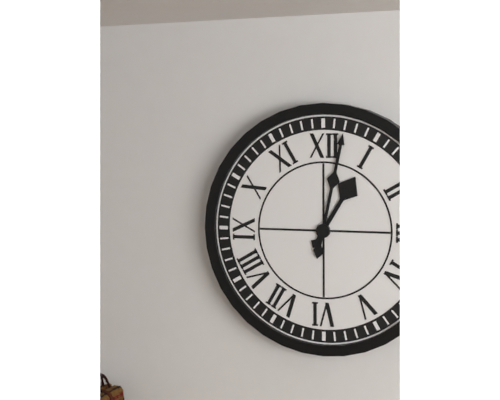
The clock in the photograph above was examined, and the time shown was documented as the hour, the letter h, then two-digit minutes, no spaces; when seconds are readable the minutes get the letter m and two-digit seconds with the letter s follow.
1h02
